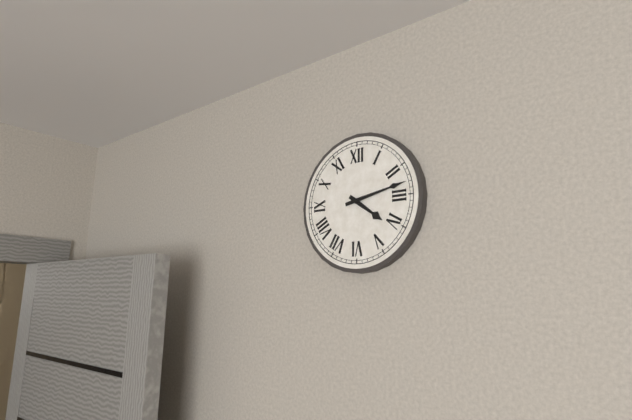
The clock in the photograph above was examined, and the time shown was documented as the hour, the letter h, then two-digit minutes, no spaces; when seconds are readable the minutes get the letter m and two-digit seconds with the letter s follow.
4h13
